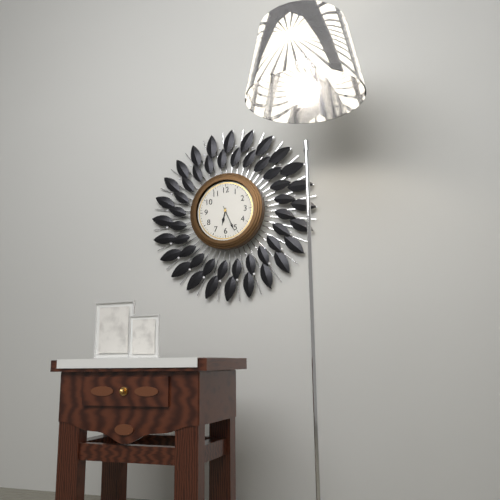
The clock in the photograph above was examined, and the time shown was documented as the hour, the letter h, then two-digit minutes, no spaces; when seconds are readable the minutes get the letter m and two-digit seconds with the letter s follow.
6h26
